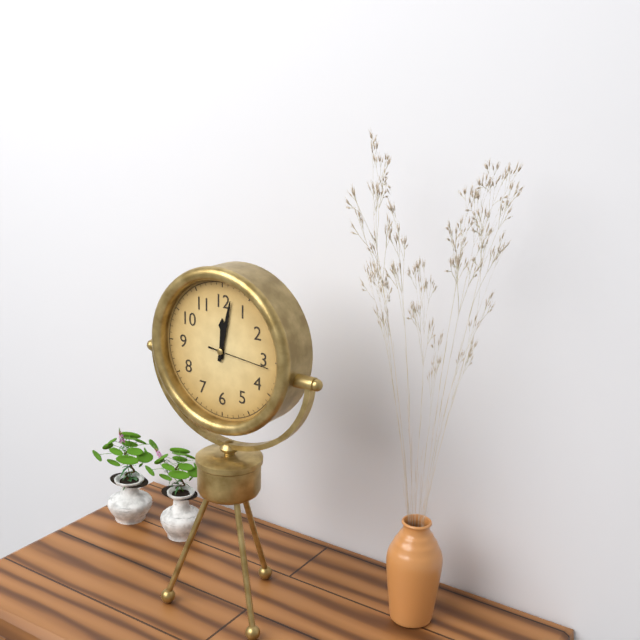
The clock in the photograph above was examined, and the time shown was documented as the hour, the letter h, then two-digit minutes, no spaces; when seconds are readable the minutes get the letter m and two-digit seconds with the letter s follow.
12h02m16s
